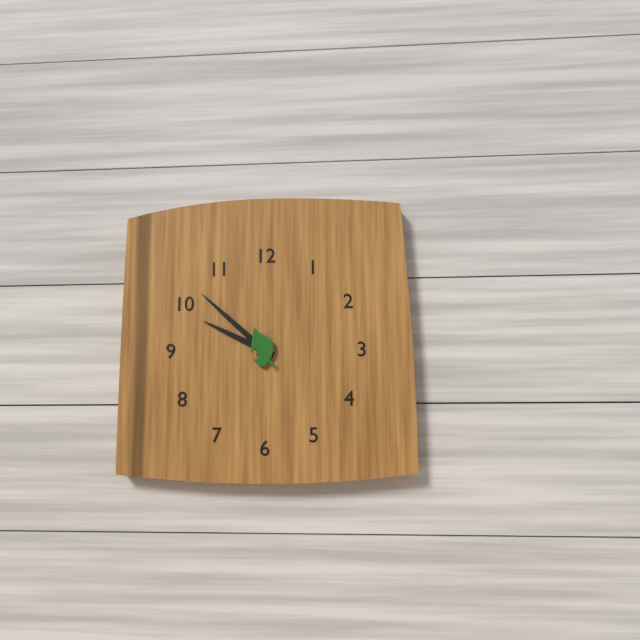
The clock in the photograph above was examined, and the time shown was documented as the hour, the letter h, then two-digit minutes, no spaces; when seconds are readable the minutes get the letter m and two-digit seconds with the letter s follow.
9h52
